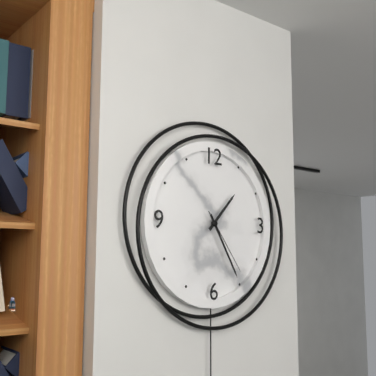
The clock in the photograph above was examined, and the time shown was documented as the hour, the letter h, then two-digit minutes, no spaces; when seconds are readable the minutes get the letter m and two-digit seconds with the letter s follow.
1h25m24s
